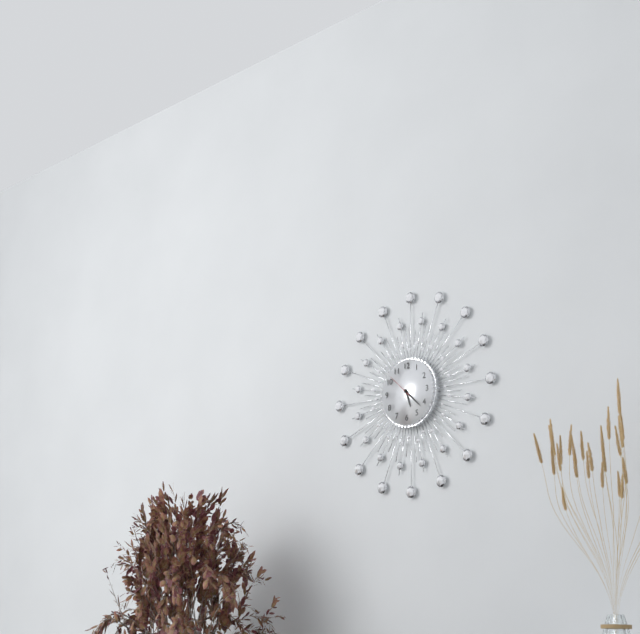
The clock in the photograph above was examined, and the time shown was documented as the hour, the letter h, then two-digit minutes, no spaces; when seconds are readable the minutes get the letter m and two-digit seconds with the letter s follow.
5h22
